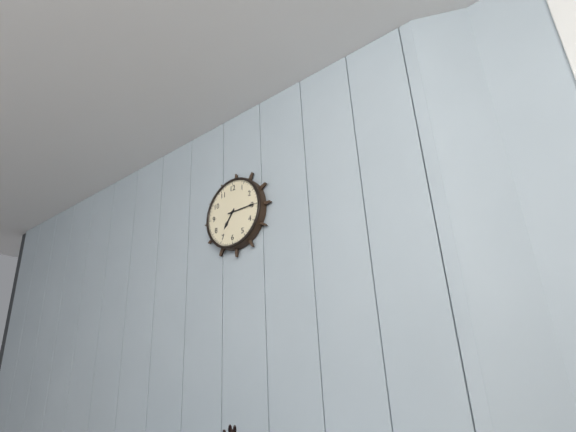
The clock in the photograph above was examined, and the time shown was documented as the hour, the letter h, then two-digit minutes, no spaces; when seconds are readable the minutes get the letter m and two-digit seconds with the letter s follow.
7h15
